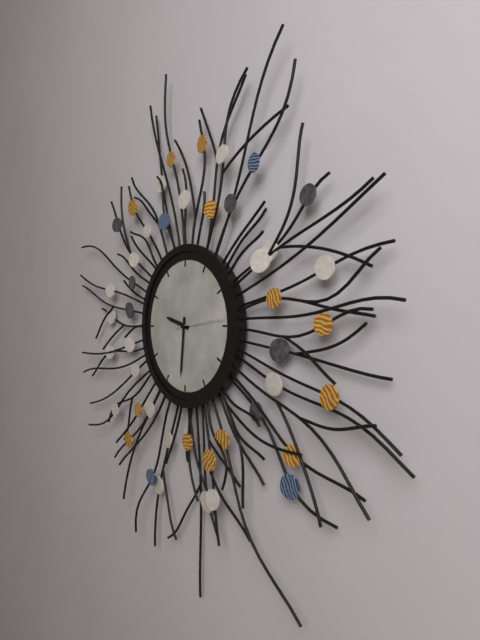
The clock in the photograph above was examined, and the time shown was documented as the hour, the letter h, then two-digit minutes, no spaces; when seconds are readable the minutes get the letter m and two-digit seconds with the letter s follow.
9h31m14s
